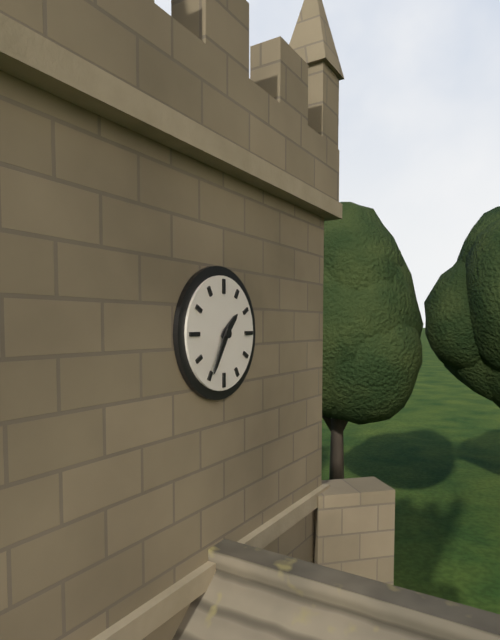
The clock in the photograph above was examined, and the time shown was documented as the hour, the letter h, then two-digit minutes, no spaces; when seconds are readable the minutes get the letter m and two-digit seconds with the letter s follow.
1h35
